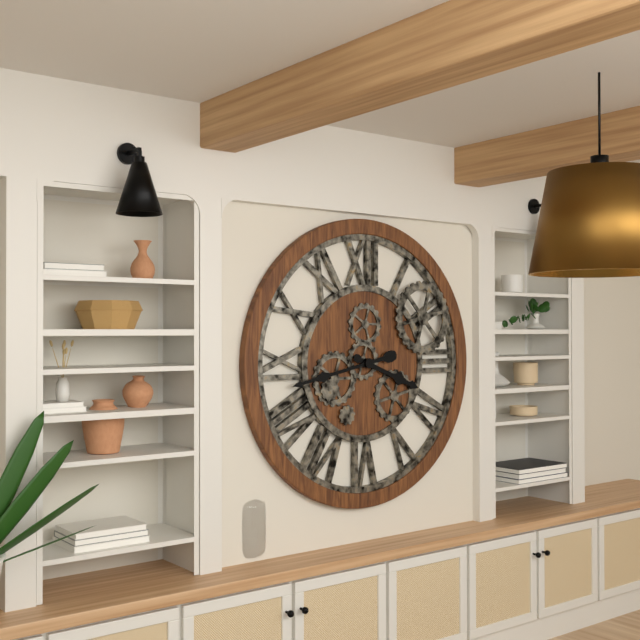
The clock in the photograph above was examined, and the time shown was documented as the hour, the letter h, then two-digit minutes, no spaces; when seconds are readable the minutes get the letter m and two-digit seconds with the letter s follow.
3h43
